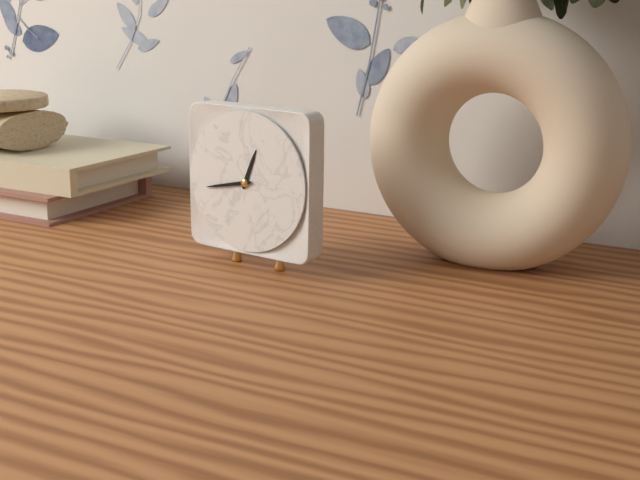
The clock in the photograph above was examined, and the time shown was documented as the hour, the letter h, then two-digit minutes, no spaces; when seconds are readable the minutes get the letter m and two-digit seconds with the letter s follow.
12h43
